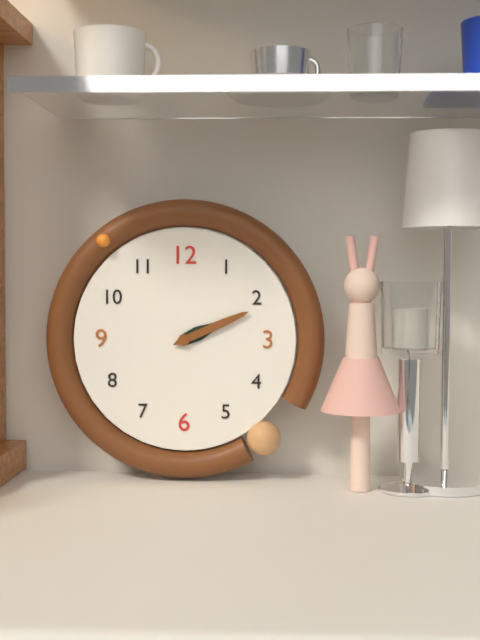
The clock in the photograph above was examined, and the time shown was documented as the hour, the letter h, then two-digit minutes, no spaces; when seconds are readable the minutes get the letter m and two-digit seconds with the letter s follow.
2h11
